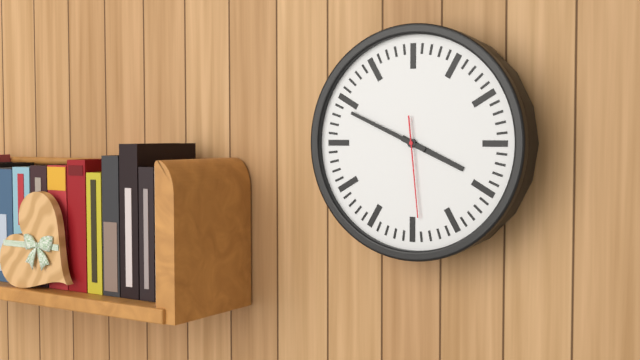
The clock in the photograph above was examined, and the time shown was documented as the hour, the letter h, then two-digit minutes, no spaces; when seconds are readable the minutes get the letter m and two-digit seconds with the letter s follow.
3h49m29s
